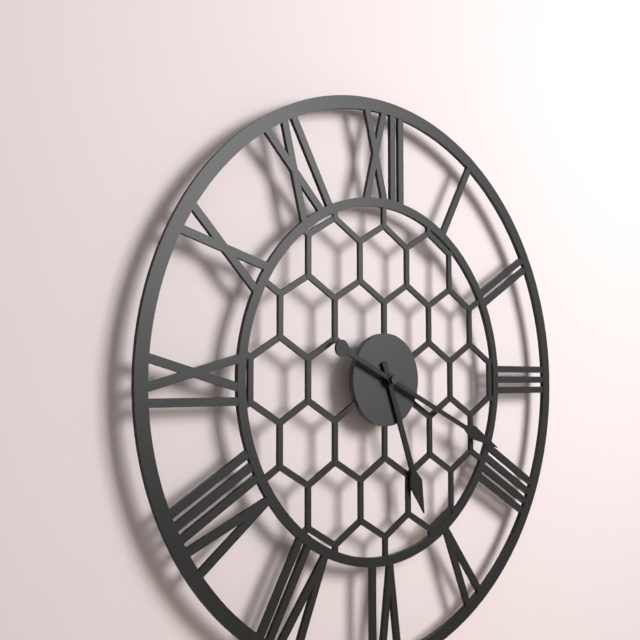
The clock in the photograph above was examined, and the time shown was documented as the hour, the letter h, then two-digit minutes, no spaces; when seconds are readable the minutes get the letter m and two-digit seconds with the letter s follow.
5h19
